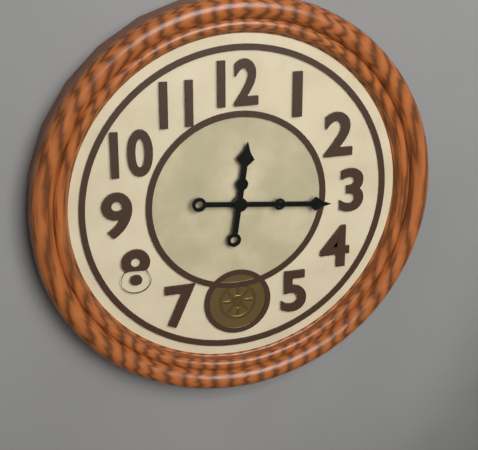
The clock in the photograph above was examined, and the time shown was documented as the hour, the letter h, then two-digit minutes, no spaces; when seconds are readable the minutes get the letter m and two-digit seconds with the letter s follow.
12h16
